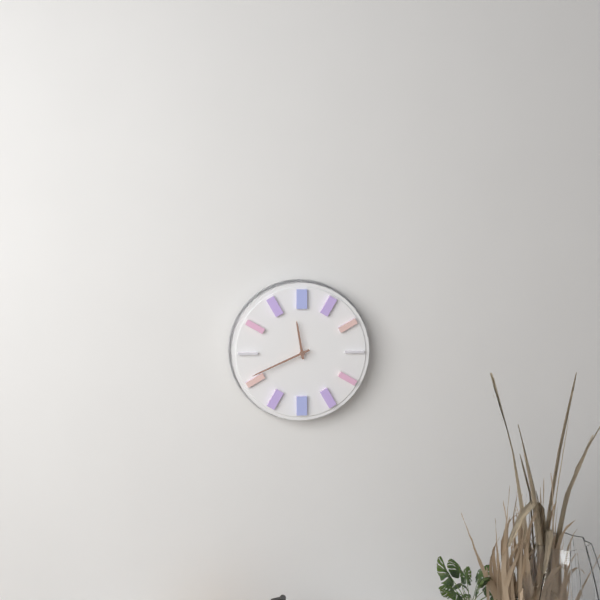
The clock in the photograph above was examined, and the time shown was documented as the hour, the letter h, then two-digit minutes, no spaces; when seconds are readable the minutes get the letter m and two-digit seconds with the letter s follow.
11h41
